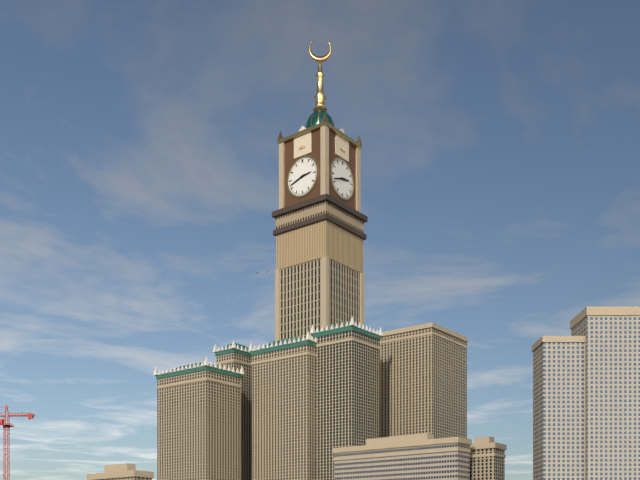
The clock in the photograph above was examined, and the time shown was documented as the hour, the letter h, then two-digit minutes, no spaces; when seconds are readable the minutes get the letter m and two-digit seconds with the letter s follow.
2h42
